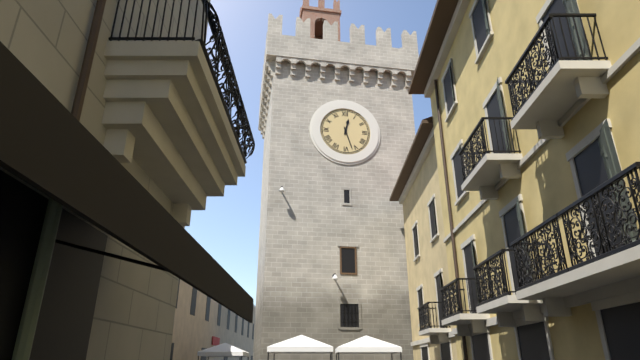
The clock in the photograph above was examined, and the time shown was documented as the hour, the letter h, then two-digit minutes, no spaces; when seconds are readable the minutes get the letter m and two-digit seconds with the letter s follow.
12h27
